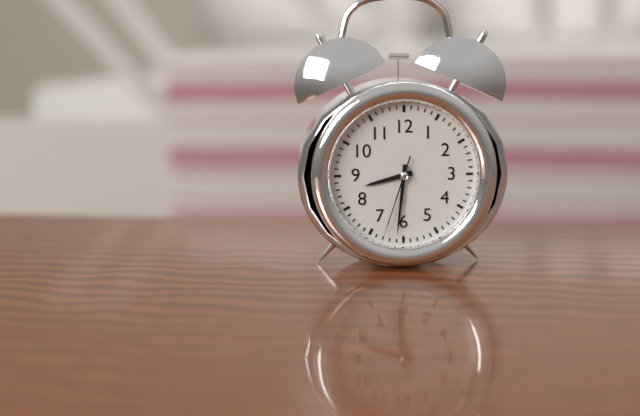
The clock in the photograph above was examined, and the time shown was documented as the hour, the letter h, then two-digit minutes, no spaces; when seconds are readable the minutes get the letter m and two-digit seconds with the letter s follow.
8h31m33s
